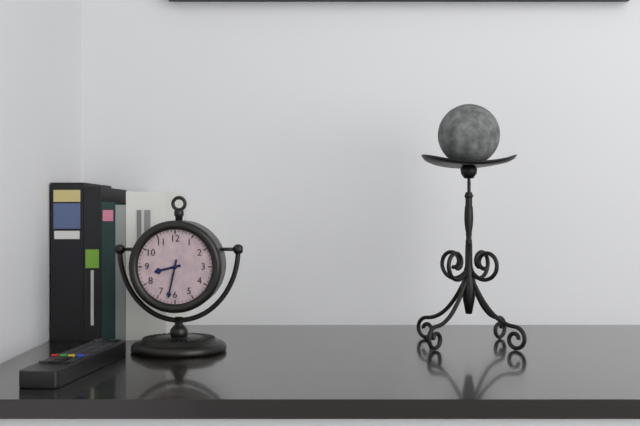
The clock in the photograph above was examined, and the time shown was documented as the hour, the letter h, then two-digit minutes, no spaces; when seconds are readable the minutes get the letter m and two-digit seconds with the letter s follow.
8h32
